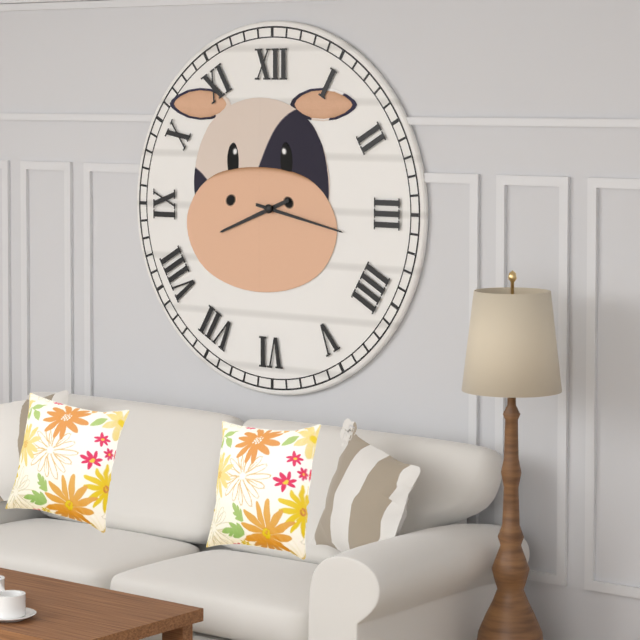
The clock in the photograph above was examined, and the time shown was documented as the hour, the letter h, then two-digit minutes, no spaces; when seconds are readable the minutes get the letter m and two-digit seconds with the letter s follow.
8h17
